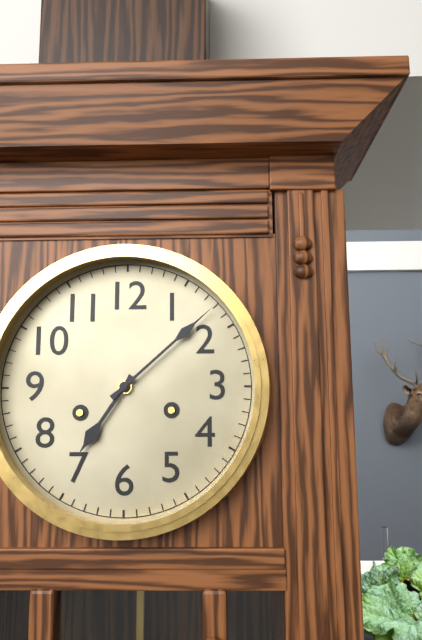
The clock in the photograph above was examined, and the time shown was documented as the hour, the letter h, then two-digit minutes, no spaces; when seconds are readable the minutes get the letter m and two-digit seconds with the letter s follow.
7h08
